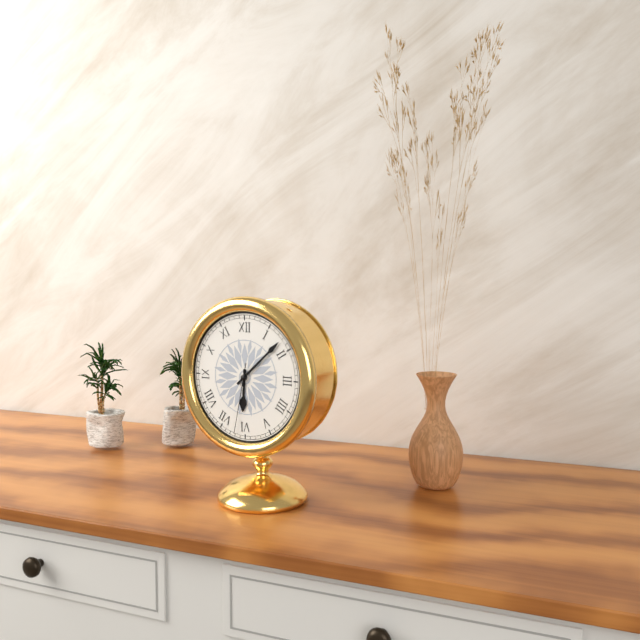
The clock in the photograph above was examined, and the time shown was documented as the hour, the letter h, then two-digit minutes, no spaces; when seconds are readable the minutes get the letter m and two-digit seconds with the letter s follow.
6h08m32s
